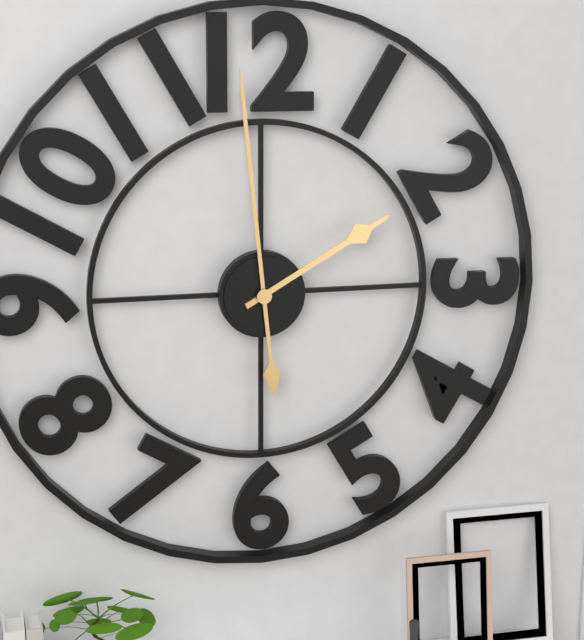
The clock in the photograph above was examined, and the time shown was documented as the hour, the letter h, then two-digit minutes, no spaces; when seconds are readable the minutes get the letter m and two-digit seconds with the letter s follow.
1h59
